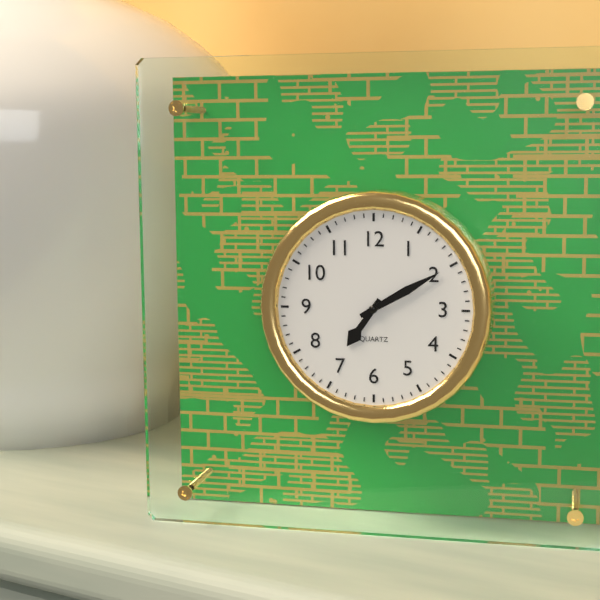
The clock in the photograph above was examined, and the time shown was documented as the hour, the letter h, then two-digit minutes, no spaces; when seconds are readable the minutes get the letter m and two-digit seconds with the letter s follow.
7h10
